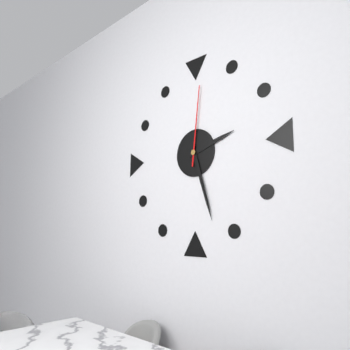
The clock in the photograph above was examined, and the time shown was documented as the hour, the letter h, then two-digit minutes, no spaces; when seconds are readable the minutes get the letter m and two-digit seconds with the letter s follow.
2h27m01s
